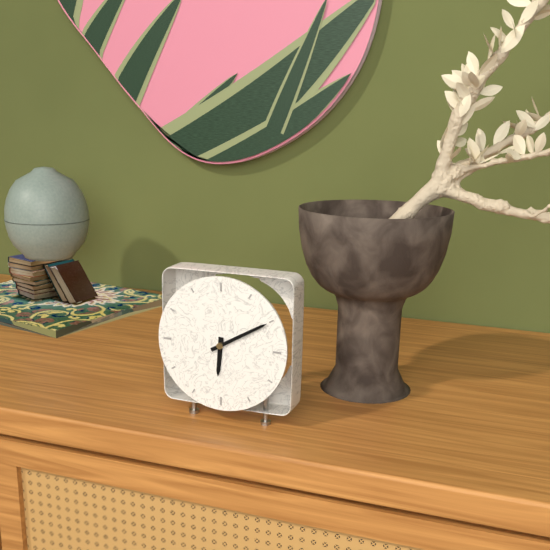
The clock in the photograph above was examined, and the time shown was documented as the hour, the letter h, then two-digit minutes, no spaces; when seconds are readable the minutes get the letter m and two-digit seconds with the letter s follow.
6h10
